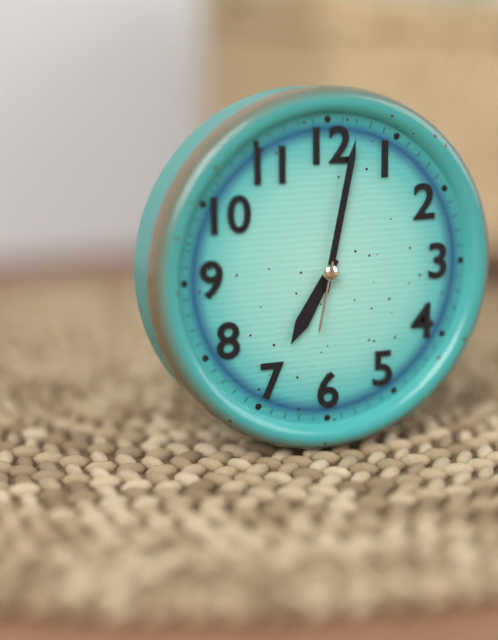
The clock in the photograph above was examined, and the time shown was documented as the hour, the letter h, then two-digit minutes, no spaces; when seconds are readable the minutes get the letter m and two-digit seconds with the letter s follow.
7h02m32s
